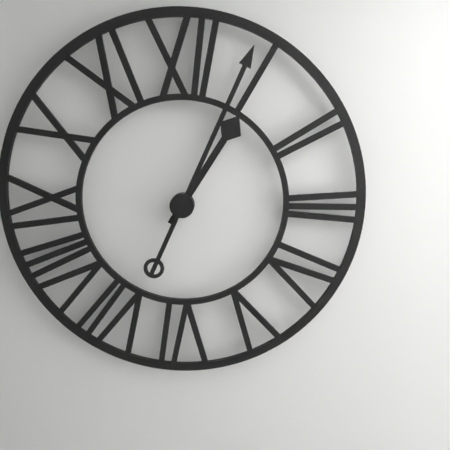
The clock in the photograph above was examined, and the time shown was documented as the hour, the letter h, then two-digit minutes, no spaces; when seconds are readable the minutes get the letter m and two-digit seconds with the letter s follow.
1h04
